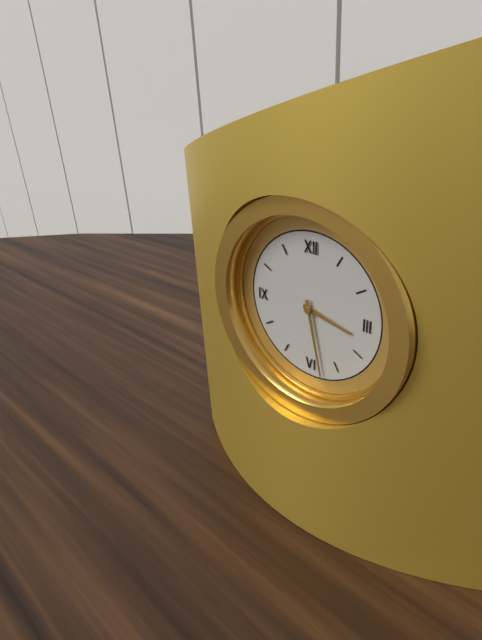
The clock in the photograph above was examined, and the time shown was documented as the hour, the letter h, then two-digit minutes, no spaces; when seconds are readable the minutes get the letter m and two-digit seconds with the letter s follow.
3h28
